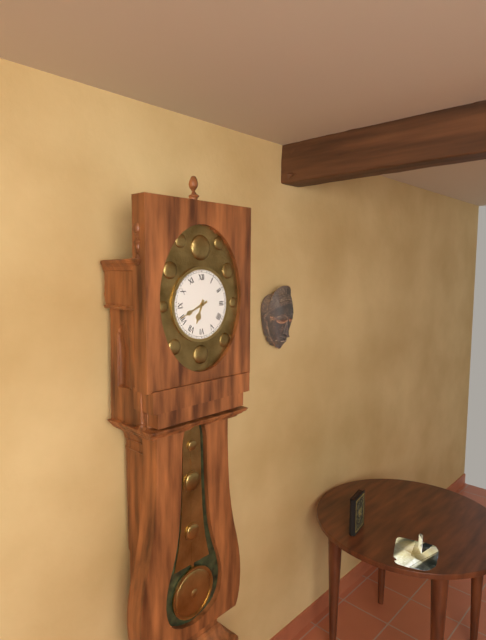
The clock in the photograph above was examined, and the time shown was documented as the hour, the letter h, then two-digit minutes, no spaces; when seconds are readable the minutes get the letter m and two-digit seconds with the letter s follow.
6h41
